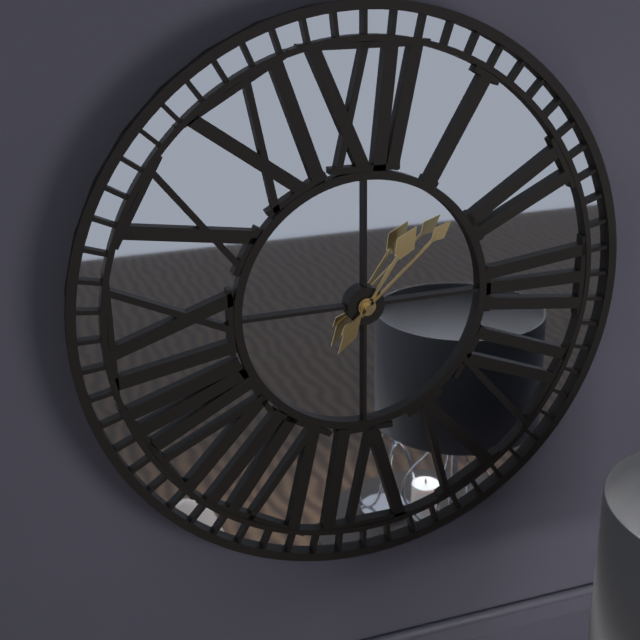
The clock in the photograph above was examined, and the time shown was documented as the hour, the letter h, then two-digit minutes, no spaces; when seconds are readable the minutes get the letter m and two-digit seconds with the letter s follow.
1h08
